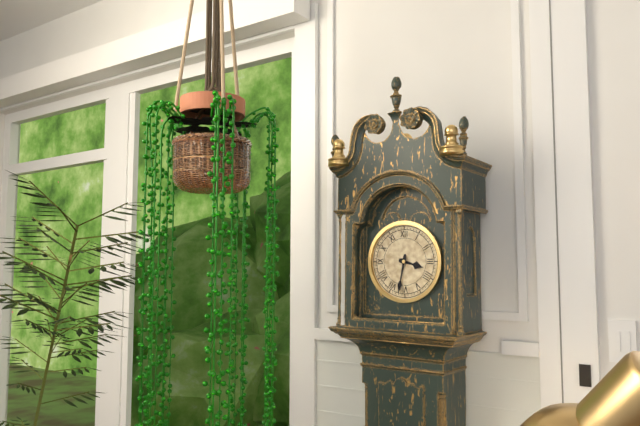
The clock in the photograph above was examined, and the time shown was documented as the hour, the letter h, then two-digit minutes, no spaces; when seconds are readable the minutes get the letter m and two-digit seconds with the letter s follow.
3h32
